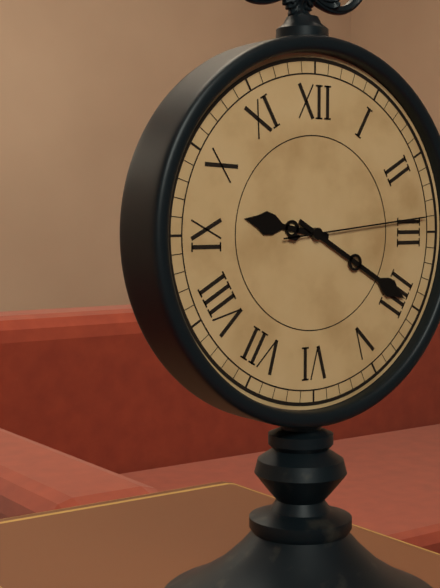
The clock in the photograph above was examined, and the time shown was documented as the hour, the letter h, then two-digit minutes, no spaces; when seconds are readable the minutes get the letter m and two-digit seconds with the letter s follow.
9h20m14s
